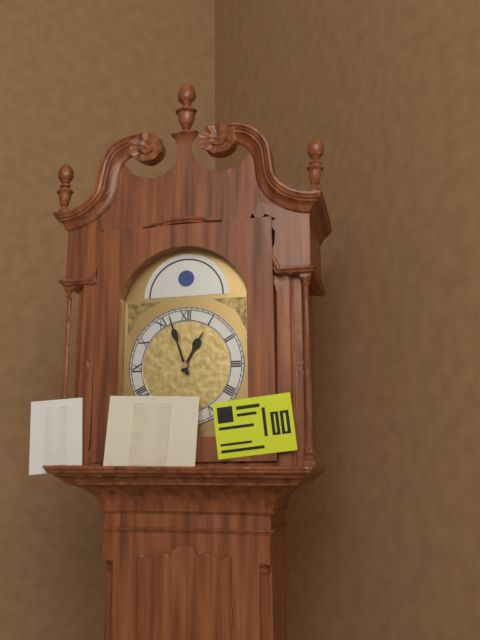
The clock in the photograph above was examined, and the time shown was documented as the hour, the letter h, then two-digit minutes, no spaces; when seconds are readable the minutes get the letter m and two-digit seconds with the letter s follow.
12h57
